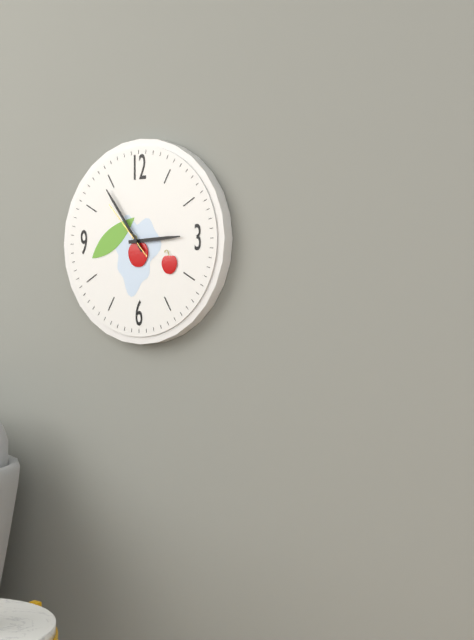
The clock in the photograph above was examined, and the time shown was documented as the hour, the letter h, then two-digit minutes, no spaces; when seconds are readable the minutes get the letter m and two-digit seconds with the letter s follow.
2h54m53s
